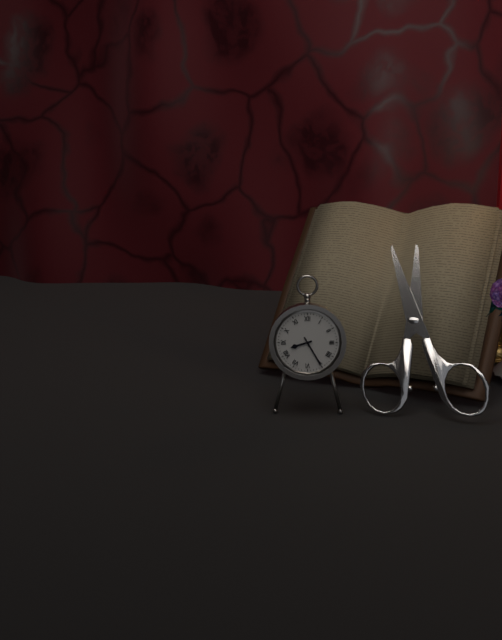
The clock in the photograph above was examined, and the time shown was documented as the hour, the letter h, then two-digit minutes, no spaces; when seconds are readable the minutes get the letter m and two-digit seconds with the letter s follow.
8h25
